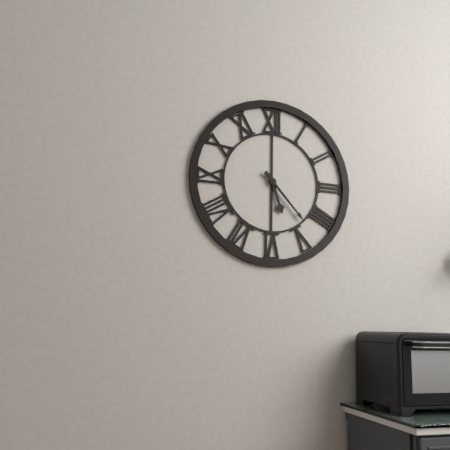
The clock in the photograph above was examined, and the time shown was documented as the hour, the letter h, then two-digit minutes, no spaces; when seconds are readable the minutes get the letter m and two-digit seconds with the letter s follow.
5h23
